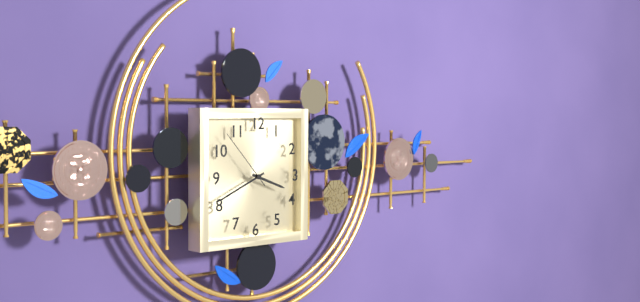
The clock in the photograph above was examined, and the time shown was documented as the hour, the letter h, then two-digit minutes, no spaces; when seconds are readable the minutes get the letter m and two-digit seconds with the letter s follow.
3h41m53s
